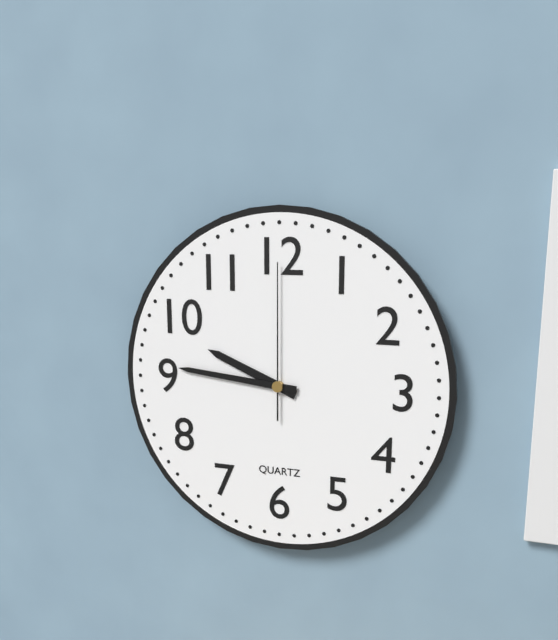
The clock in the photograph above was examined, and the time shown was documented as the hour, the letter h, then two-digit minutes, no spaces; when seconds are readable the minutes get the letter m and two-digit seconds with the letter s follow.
9h46m00s
